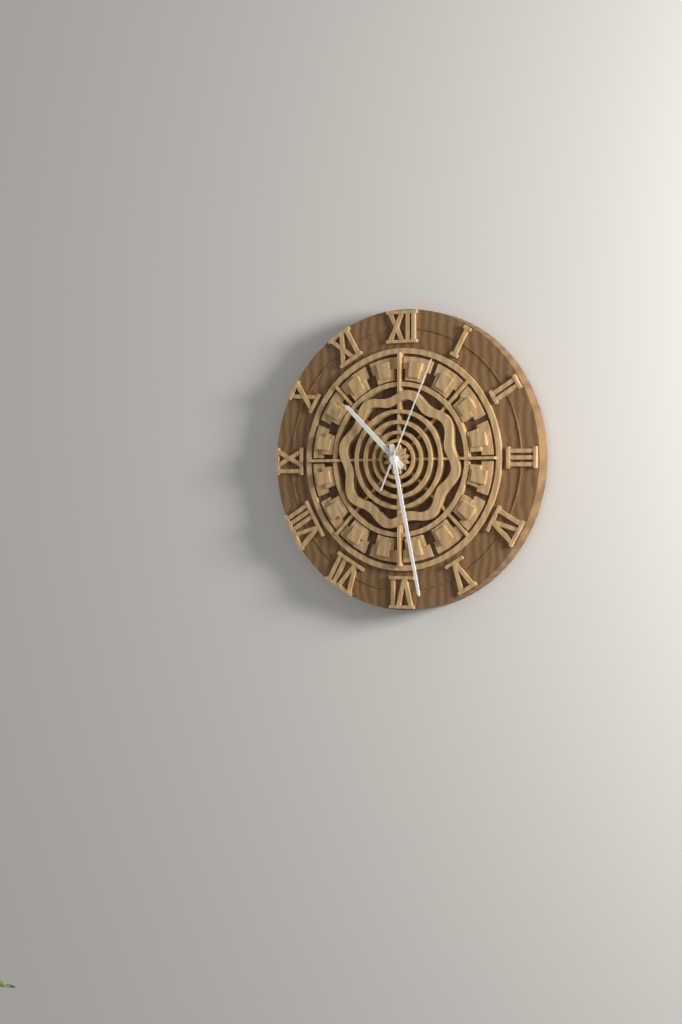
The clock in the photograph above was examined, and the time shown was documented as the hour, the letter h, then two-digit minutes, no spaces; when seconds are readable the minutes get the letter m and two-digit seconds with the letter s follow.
10h28m04s
